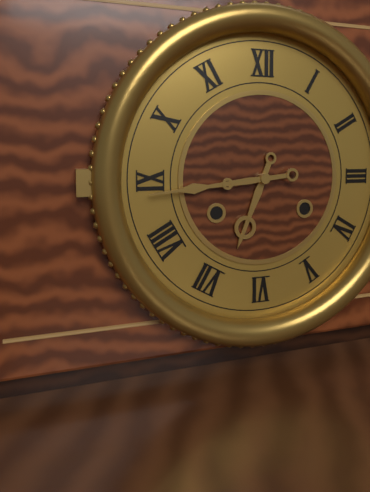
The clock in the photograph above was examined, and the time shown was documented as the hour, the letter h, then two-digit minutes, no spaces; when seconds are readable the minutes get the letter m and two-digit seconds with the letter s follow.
6h44
